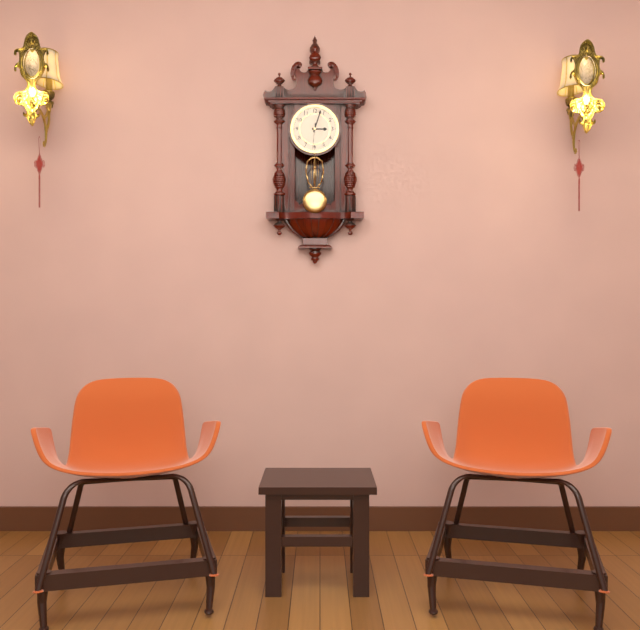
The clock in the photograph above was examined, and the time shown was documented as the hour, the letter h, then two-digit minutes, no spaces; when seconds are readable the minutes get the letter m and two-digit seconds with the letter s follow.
3h03
